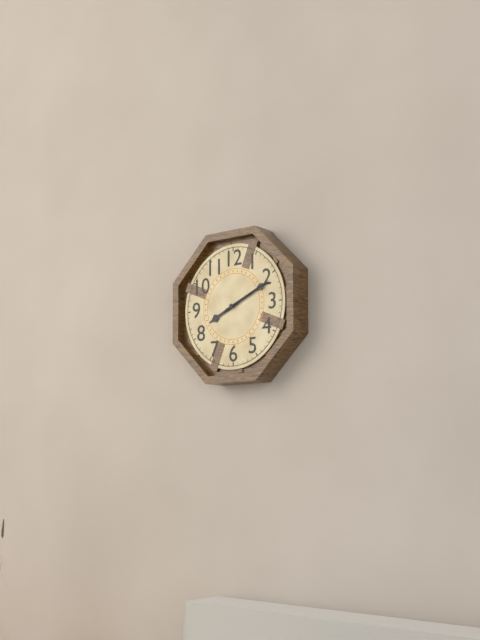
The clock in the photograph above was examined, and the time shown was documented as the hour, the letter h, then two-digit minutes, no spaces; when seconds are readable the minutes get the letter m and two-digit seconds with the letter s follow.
8h11m11s
